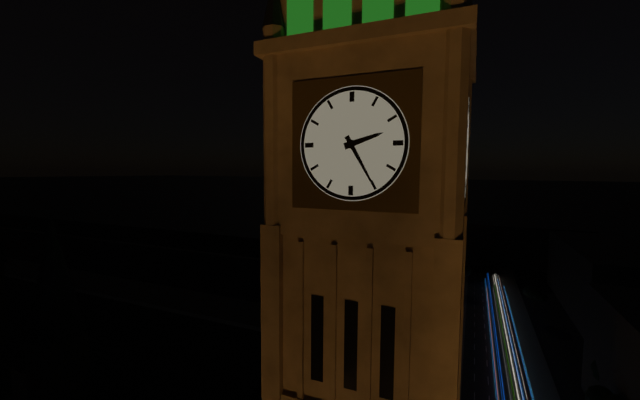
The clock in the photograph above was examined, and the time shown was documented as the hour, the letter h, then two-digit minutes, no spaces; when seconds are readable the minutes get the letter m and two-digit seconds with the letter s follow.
2h25
